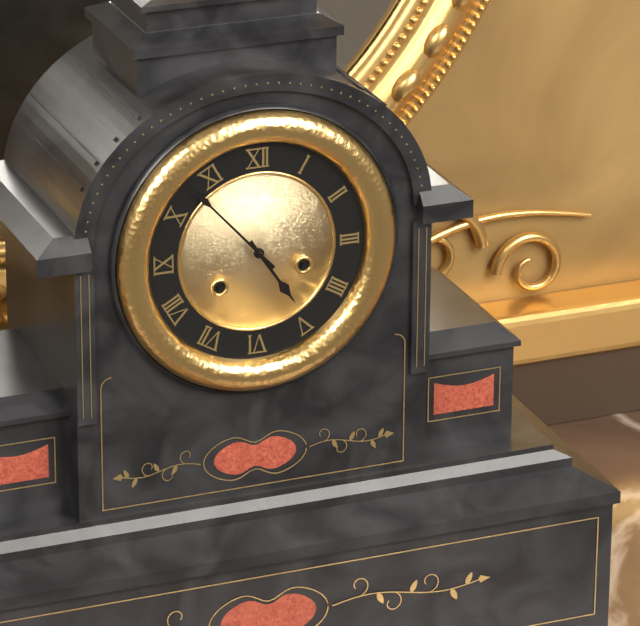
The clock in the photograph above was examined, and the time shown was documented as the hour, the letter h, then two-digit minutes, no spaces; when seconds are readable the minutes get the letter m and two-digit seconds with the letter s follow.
4h53
